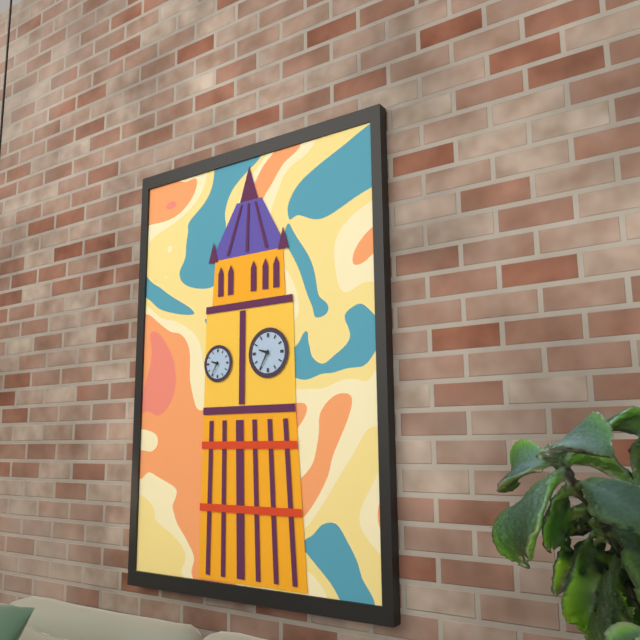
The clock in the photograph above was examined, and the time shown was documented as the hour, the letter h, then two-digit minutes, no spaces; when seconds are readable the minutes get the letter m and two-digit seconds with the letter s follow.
9h35
